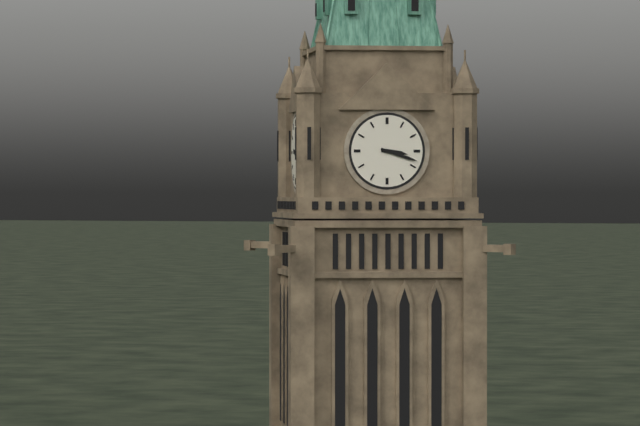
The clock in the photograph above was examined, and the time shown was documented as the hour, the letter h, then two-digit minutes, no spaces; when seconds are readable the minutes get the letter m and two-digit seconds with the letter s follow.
3h18
